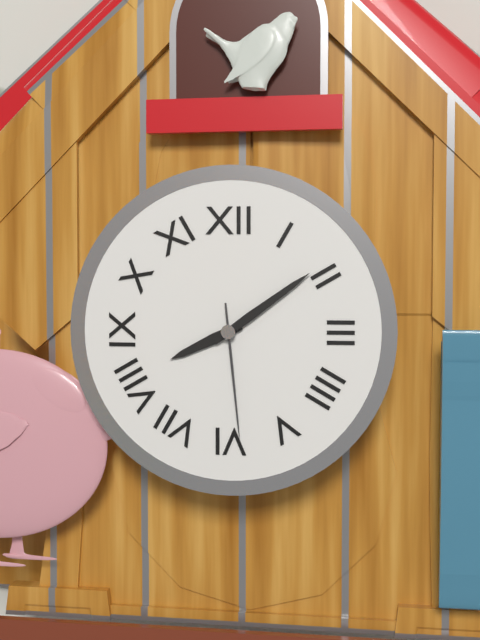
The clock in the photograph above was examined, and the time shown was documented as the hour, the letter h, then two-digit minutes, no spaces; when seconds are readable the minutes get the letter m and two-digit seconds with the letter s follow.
8h09m29s
